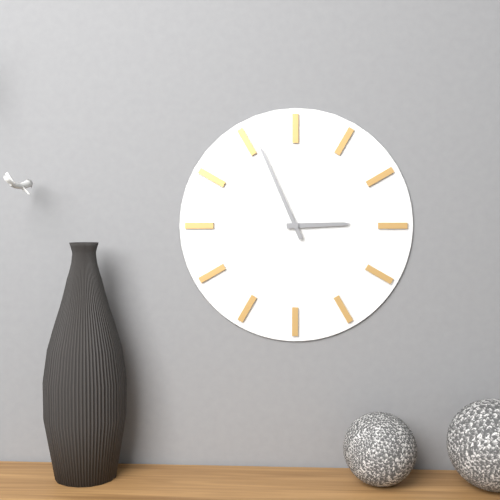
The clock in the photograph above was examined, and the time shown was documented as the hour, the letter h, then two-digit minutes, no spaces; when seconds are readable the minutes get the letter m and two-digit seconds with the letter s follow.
2h56
